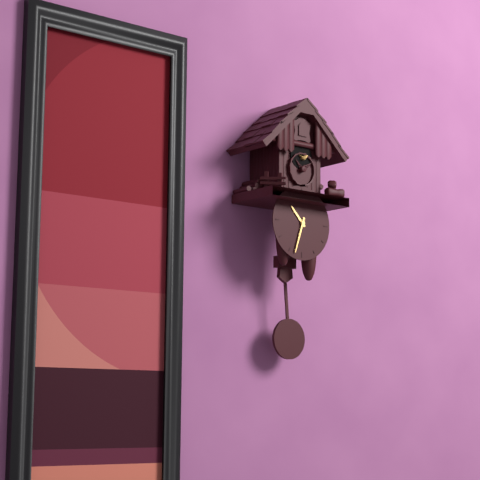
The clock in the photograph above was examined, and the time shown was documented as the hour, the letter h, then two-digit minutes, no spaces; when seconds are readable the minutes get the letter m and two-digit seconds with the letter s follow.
10h33
